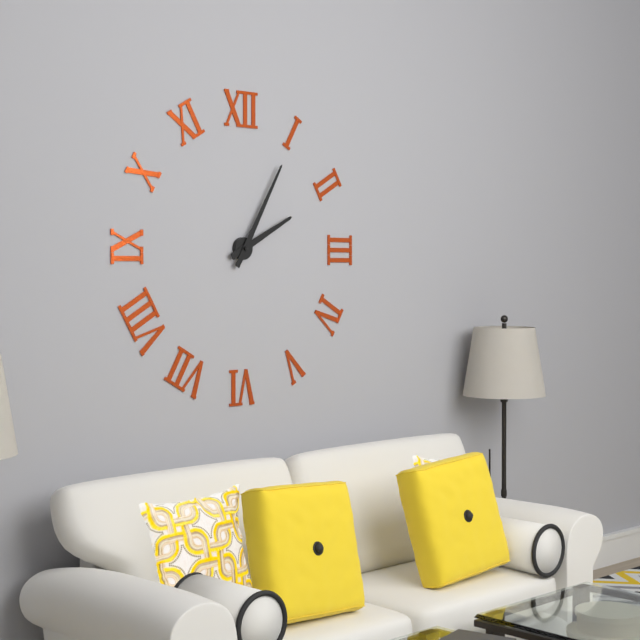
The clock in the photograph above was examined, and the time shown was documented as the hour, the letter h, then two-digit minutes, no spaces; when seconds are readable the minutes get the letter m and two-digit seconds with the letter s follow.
2h05
